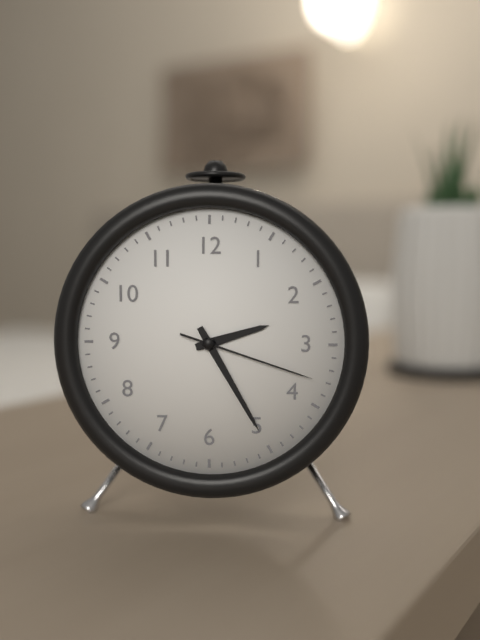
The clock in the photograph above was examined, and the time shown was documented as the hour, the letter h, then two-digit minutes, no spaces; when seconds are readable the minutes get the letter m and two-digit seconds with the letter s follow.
2h25m18s
